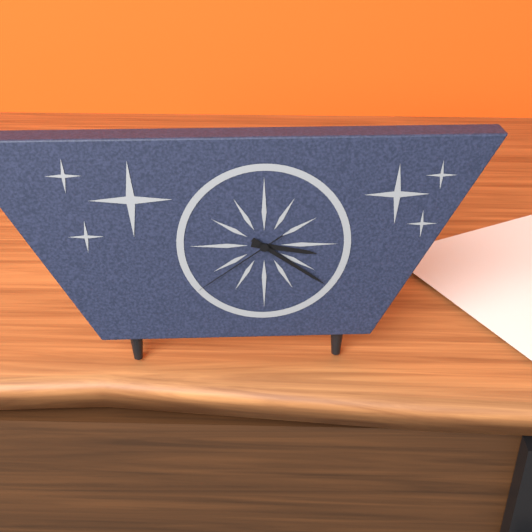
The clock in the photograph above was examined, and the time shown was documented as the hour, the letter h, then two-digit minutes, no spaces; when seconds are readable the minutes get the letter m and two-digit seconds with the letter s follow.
3h21m39s
